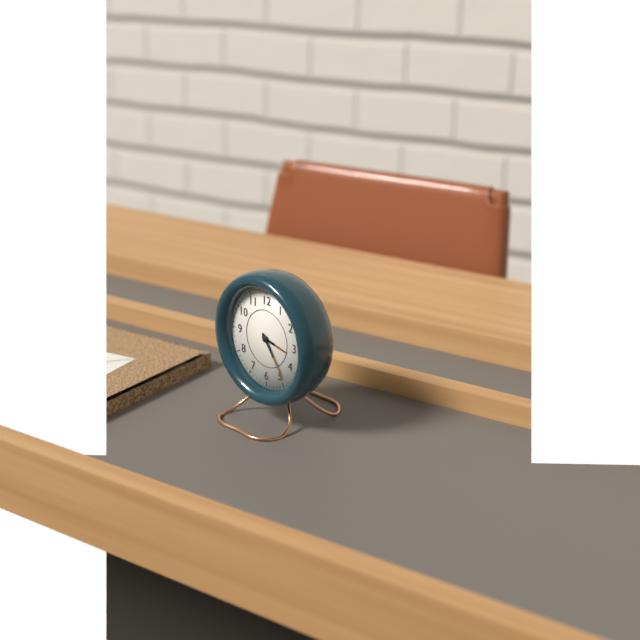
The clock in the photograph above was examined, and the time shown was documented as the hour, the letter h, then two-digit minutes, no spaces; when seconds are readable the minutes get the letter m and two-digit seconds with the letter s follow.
3h24
